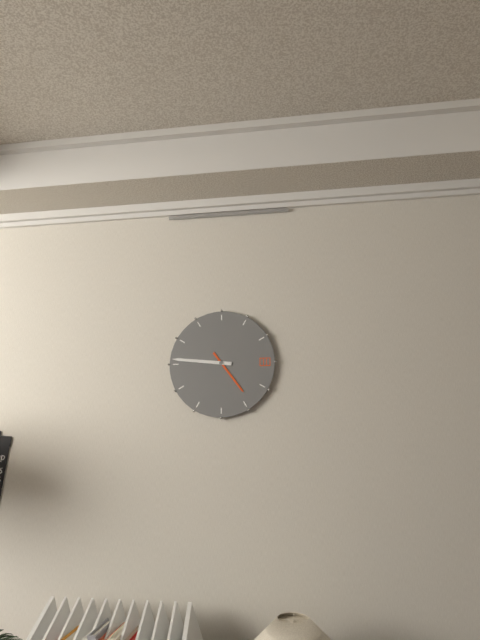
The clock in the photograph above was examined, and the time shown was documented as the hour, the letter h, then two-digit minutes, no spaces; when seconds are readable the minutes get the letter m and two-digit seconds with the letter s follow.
4h46
